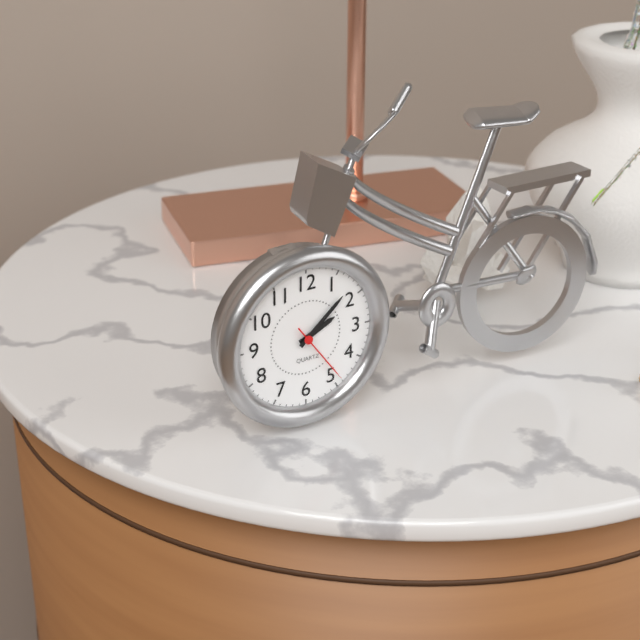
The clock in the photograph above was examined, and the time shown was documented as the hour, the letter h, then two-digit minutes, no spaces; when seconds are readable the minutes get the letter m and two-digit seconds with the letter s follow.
2h08m24s
